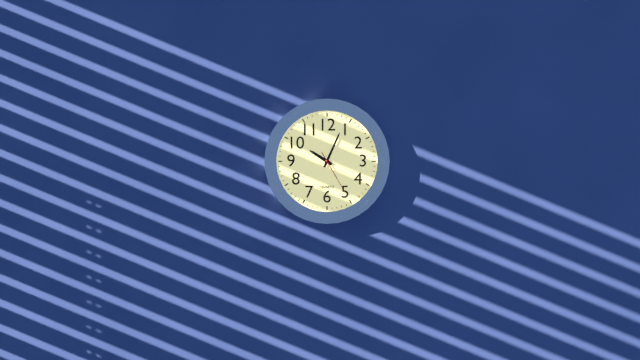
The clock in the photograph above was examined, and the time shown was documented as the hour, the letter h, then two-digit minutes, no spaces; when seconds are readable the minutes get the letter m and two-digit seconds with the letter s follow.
10h04
